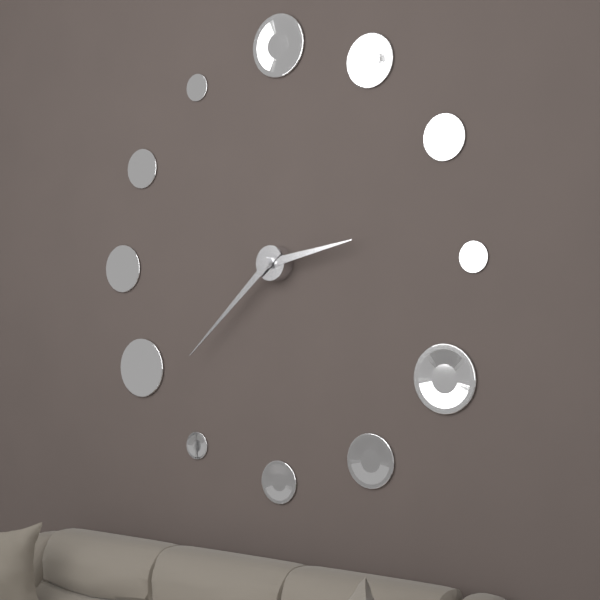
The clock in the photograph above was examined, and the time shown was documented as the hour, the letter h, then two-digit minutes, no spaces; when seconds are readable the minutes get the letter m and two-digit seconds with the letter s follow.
2h38
